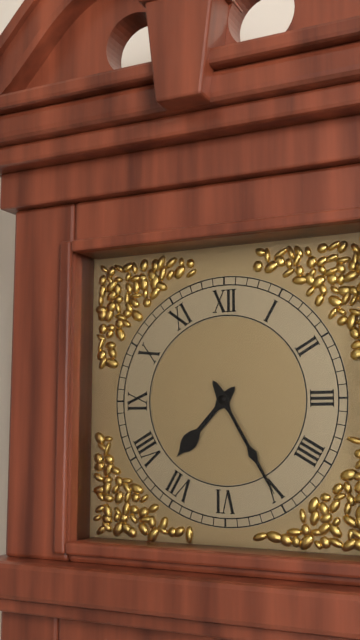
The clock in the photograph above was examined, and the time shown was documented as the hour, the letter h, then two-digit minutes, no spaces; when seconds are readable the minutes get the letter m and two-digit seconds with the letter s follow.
7h25
